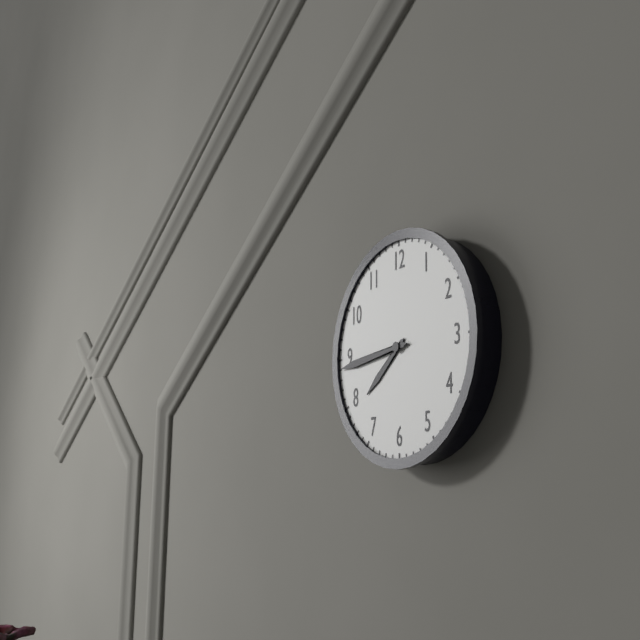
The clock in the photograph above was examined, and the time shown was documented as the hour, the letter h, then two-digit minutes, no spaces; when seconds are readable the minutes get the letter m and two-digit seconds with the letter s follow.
7h44
